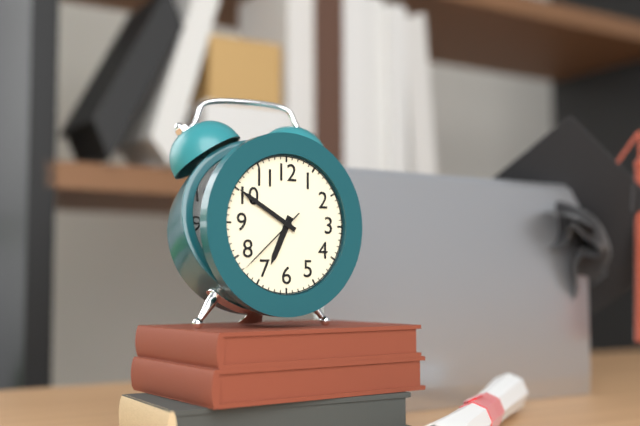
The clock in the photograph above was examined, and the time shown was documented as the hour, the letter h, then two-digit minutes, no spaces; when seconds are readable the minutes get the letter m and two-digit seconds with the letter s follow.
6h50m38s
